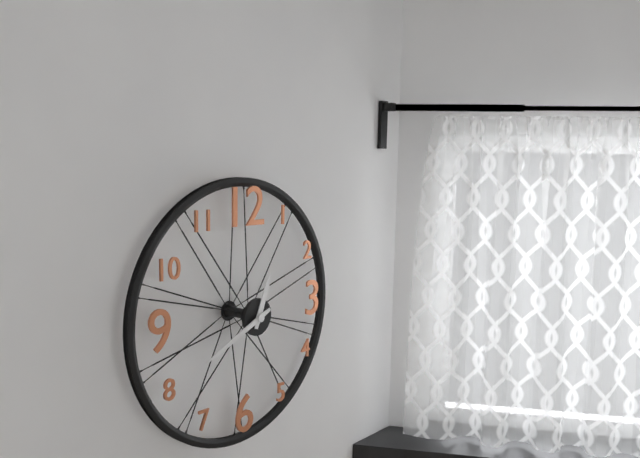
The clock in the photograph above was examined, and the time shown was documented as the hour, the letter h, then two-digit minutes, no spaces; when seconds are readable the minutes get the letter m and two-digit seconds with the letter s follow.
12h41
